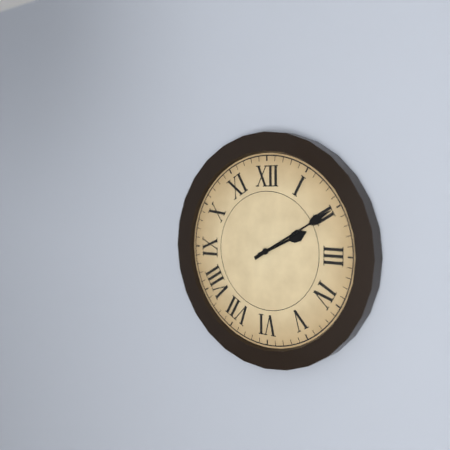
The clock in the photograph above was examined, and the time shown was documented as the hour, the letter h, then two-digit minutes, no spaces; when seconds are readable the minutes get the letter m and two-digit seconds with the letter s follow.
2h10
